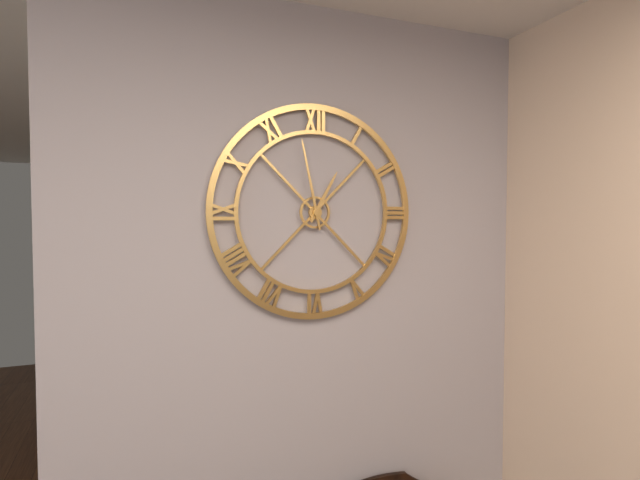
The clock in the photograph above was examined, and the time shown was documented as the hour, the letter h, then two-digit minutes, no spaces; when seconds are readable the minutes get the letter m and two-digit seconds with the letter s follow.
12h58
